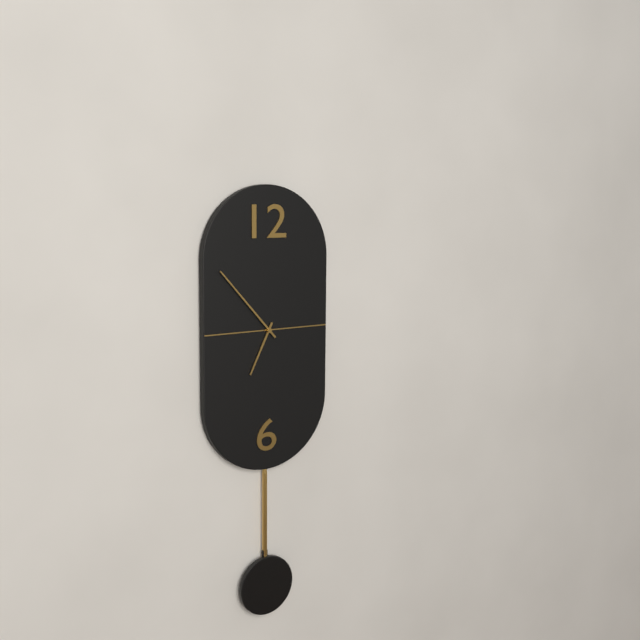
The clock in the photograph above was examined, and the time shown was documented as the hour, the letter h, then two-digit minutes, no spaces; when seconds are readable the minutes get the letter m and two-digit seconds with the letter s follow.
6h53
